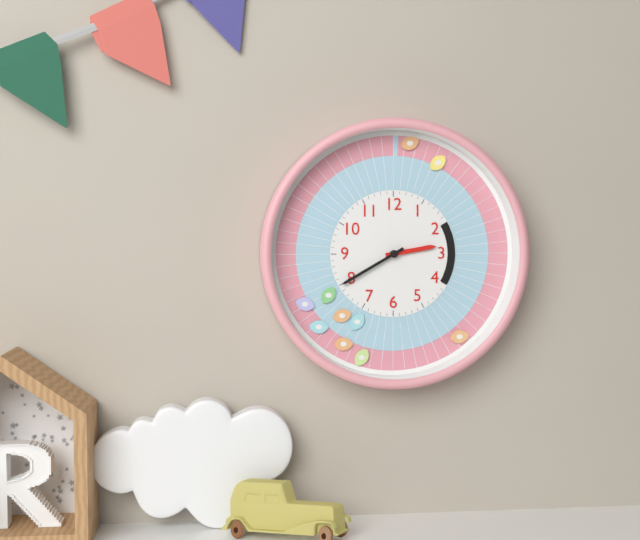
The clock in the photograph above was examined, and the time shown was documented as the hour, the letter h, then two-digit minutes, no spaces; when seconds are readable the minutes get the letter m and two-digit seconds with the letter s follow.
2h40
